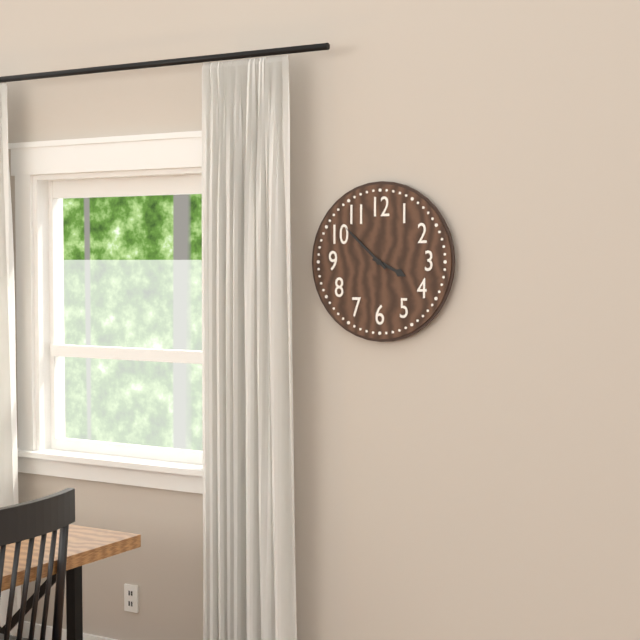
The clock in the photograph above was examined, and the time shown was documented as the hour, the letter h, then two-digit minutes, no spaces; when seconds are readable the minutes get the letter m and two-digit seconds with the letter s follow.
3h52
